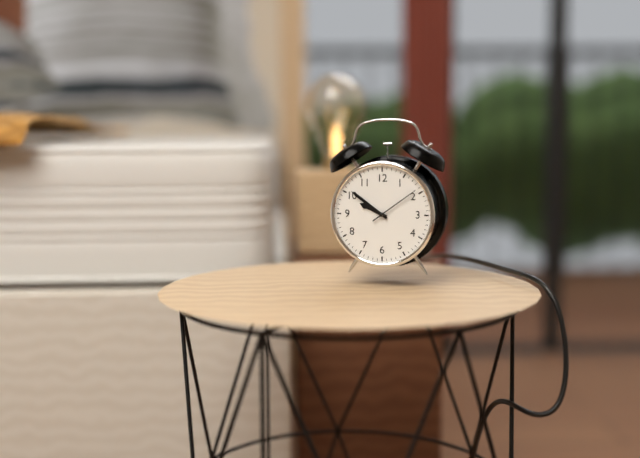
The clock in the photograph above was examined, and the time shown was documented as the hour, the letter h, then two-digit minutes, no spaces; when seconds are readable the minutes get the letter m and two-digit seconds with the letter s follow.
9h51m09s
